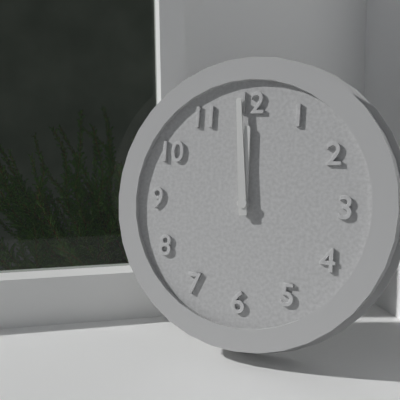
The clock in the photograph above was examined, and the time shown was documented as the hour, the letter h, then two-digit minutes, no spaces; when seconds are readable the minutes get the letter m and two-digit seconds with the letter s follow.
11h59
